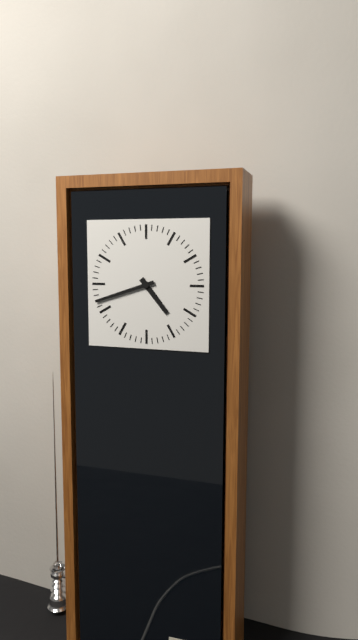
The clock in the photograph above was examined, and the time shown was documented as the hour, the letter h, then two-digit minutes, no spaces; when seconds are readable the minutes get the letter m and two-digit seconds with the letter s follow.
4h42
